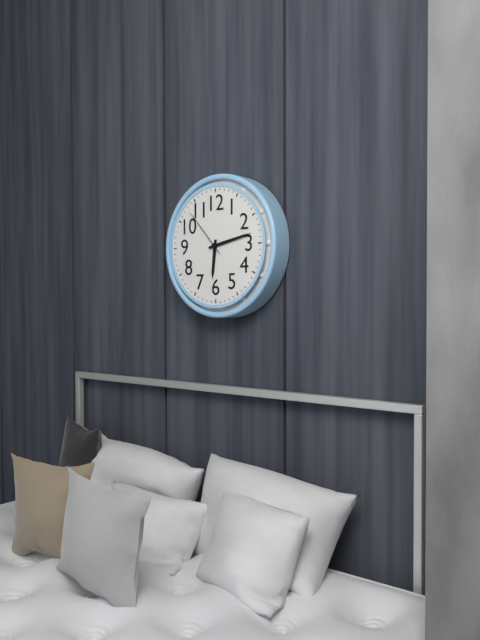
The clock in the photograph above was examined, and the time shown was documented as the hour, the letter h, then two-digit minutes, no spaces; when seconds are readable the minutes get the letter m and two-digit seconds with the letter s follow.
6h13m53s
